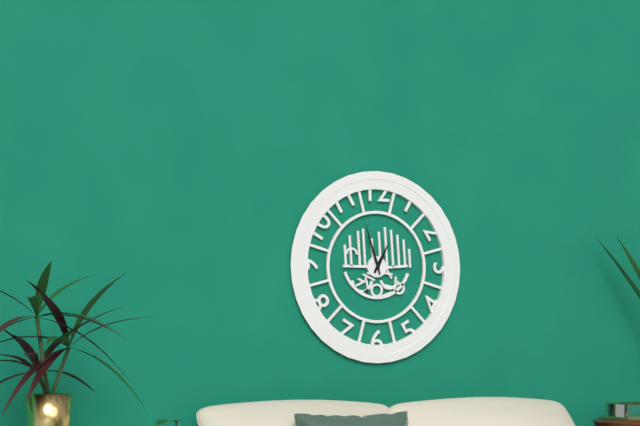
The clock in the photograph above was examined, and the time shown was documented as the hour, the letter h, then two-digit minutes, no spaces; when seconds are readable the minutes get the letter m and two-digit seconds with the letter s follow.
12h57
